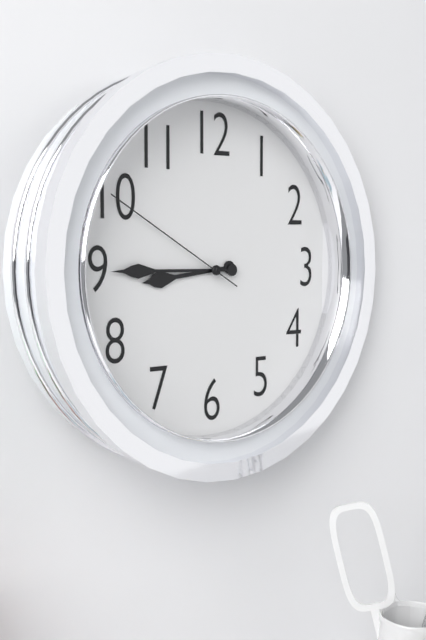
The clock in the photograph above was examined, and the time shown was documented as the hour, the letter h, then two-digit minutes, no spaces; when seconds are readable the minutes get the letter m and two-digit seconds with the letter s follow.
8h45m50s
